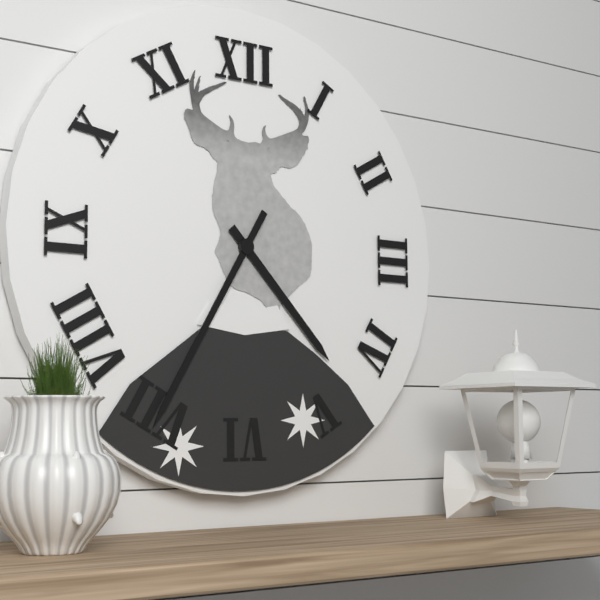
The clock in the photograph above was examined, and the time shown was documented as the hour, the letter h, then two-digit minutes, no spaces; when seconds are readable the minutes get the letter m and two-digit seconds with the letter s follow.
4h35
